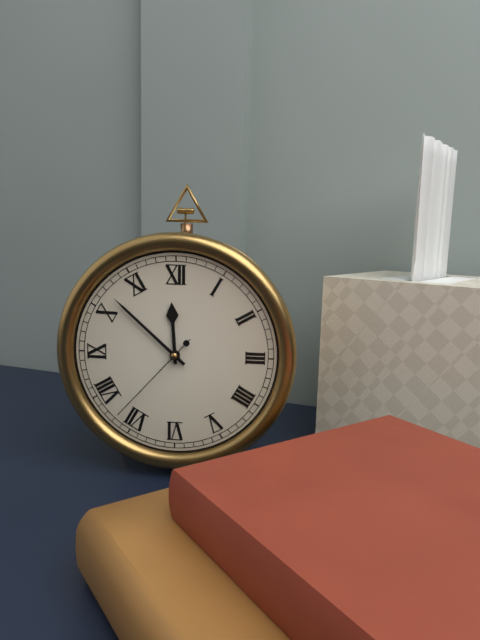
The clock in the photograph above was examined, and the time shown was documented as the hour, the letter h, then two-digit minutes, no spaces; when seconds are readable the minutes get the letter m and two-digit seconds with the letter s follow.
11h52m37s
